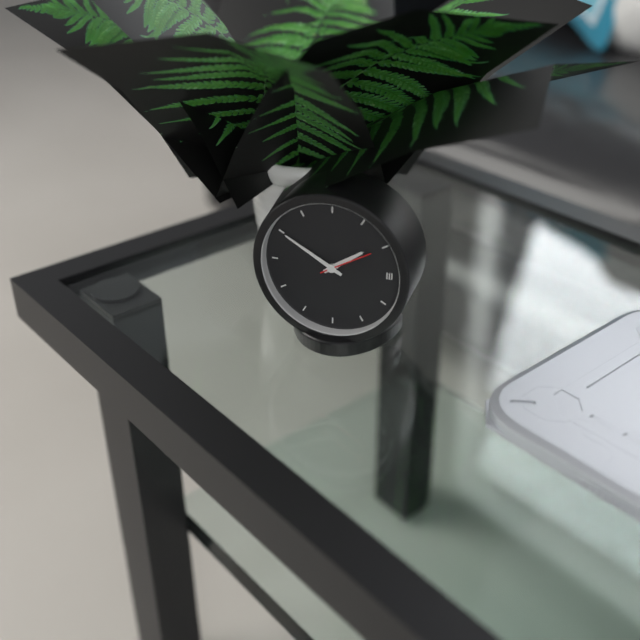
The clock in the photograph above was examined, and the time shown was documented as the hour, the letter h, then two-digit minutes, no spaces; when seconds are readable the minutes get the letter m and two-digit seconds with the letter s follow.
1h50
